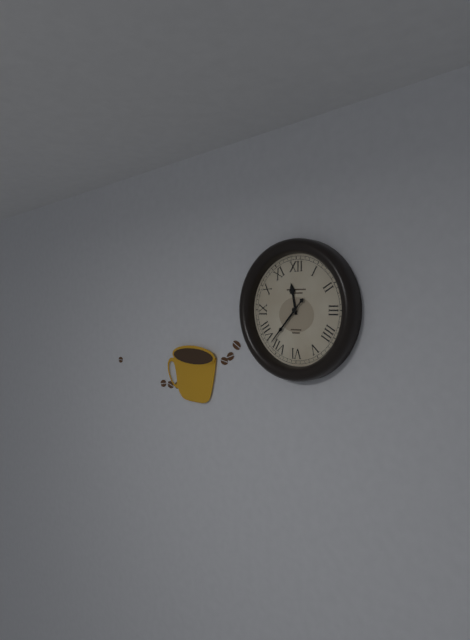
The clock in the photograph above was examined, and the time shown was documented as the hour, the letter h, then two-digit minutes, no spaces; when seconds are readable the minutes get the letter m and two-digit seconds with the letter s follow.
11h37
